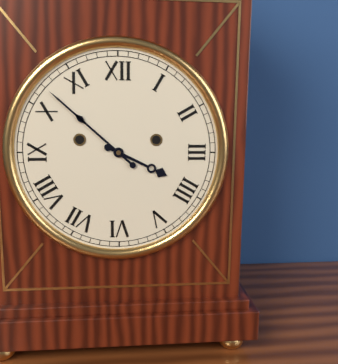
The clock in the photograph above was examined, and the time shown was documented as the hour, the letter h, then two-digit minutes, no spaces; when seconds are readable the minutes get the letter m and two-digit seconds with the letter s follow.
3h52
